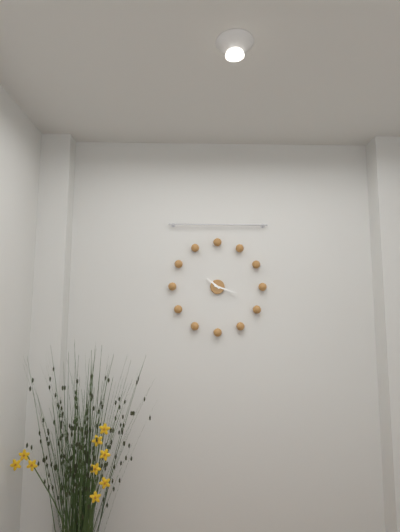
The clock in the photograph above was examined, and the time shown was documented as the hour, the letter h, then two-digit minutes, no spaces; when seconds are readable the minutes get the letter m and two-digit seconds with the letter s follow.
10h18
